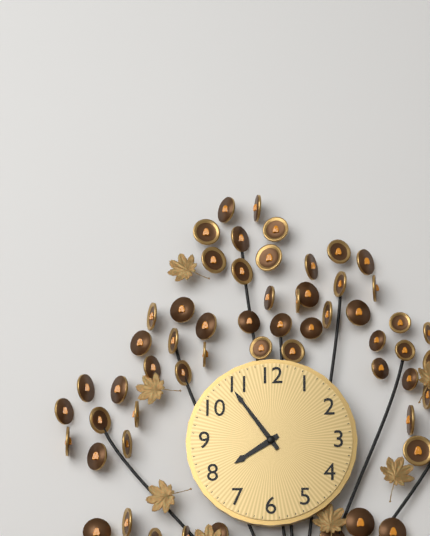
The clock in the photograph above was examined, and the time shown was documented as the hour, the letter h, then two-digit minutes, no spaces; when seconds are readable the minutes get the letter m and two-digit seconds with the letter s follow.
7h54
